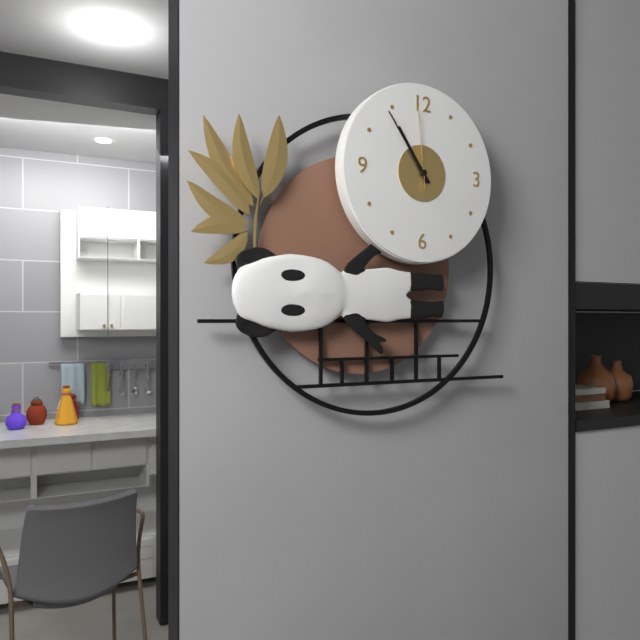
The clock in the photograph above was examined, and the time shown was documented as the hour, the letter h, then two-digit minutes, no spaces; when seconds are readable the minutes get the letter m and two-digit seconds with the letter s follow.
10h54m59s
